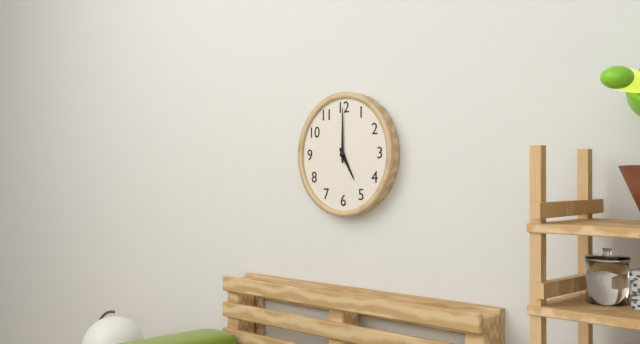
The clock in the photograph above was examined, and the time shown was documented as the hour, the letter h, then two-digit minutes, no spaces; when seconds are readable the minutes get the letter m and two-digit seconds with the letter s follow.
5h00
